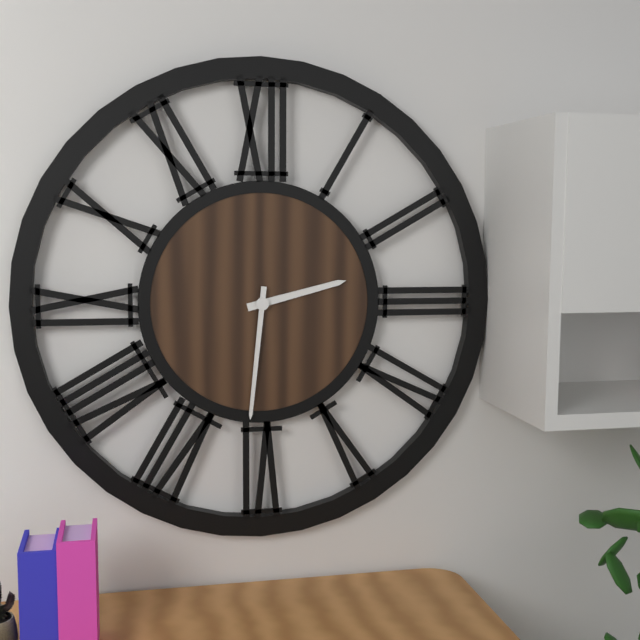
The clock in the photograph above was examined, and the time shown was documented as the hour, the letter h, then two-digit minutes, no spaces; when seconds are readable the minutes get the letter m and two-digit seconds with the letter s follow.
2h31
